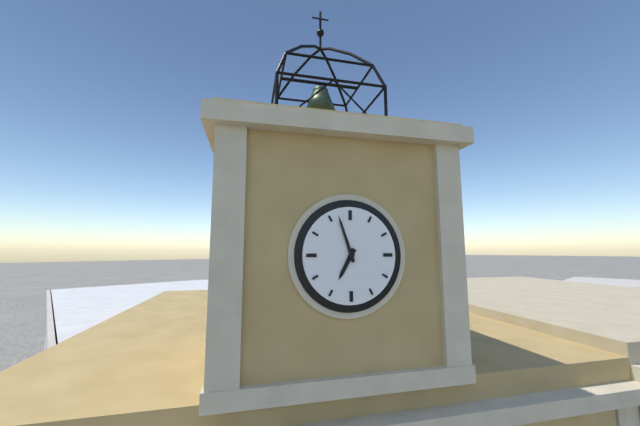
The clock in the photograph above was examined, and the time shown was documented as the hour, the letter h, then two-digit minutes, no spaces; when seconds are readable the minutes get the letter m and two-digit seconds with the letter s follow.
6h57
